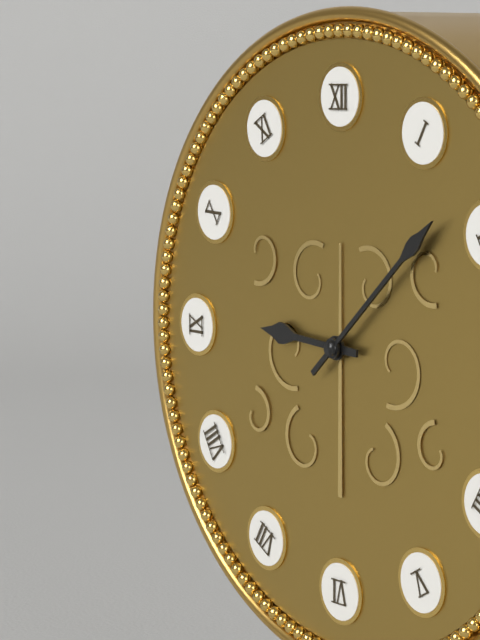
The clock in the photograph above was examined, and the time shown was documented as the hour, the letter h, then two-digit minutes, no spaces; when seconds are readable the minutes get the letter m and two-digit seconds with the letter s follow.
9h08
